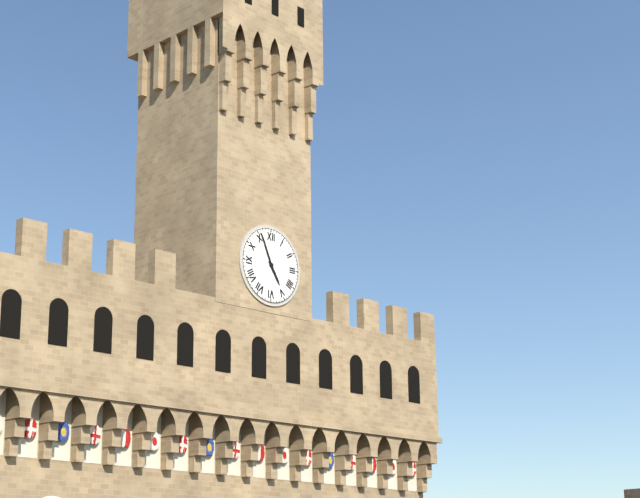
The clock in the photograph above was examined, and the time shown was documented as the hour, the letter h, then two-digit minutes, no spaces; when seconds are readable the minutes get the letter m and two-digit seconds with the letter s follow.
4h56
